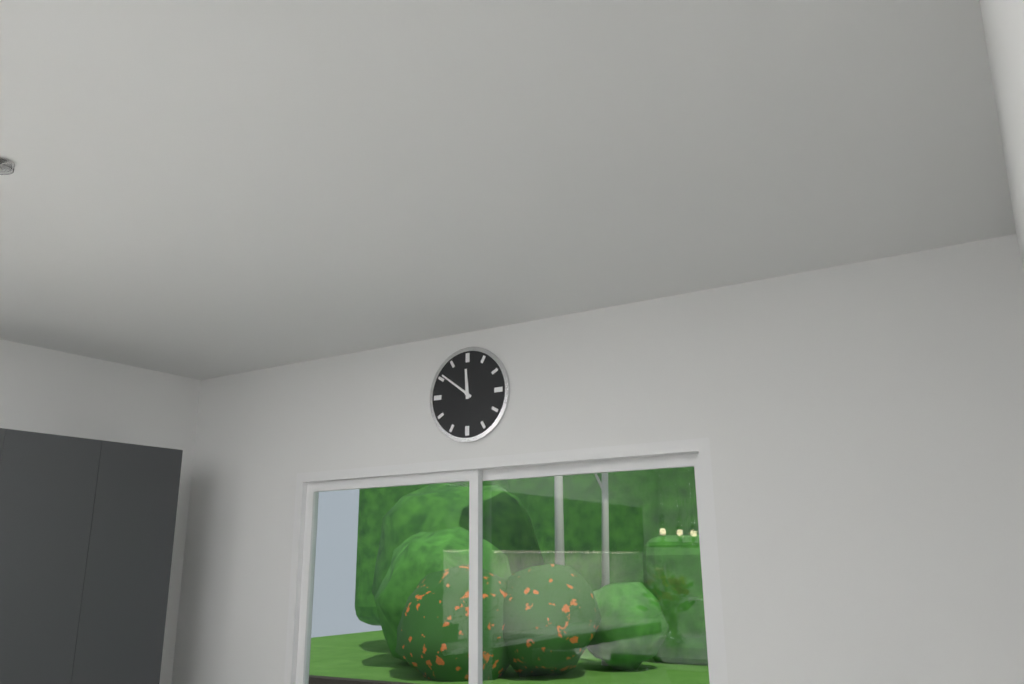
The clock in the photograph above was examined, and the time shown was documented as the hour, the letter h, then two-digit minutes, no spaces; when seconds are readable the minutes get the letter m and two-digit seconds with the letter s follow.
11h51
